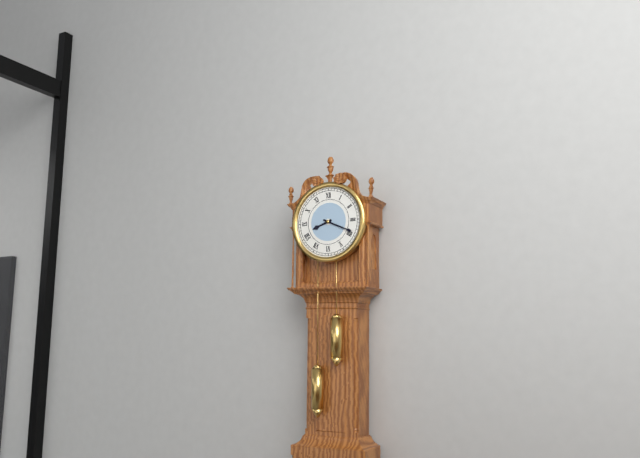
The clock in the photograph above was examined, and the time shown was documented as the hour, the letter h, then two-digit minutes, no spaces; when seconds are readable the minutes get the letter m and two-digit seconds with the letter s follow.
8h19
